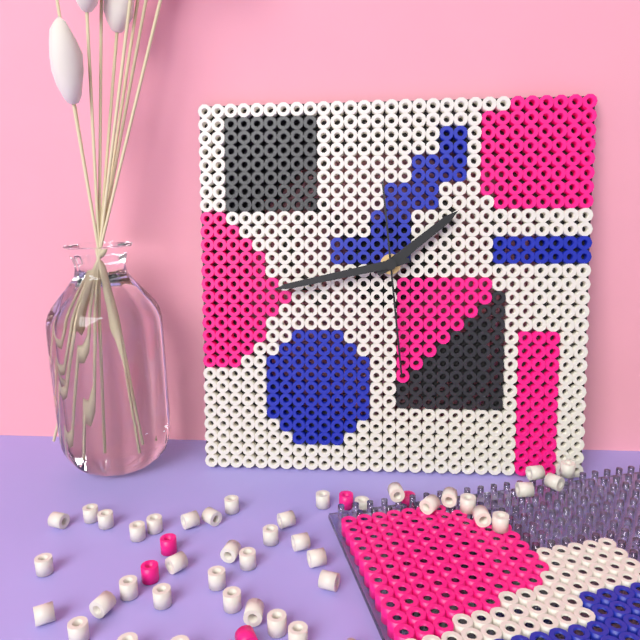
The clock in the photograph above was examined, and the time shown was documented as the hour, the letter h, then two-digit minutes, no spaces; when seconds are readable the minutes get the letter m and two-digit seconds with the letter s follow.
1h43m29s
